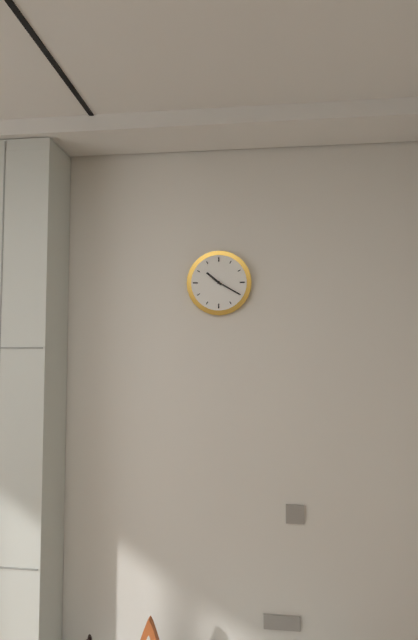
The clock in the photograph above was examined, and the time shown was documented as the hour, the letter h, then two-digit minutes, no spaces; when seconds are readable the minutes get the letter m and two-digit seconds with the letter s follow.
10h20
